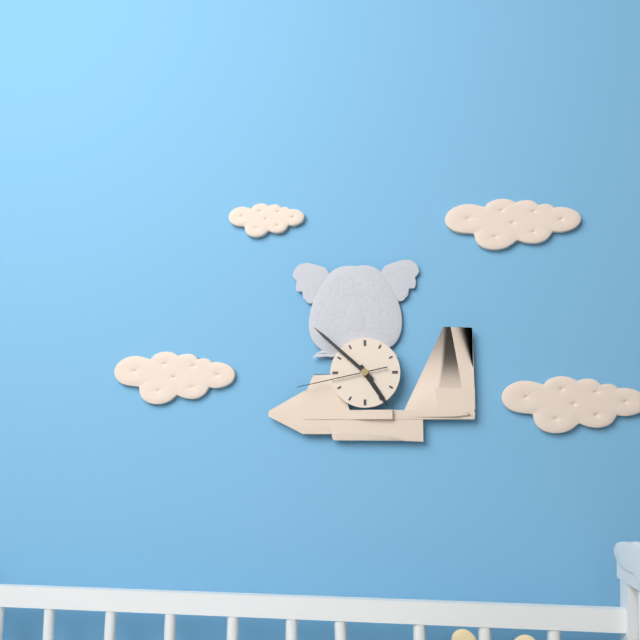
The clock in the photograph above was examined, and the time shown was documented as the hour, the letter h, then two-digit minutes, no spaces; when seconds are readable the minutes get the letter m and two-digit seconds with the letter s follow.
4h52m43s
